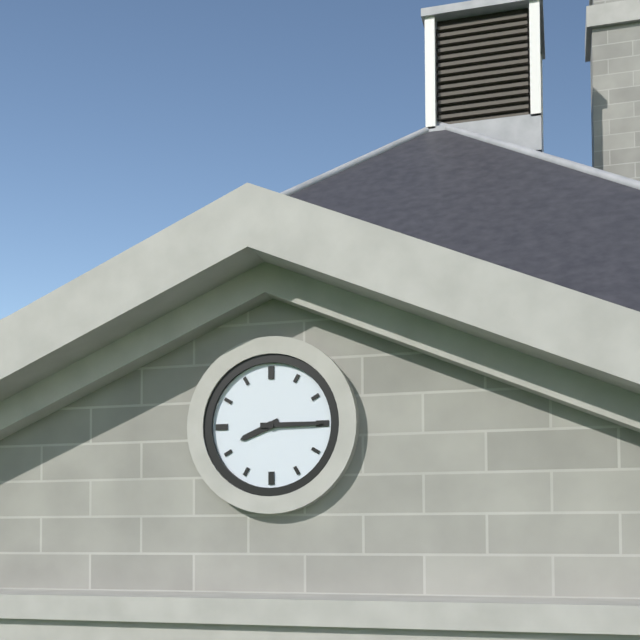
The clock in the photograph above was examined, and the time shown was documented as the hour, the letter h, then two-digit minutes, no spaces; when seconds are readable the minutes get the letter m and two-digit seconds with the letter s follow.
8h15
